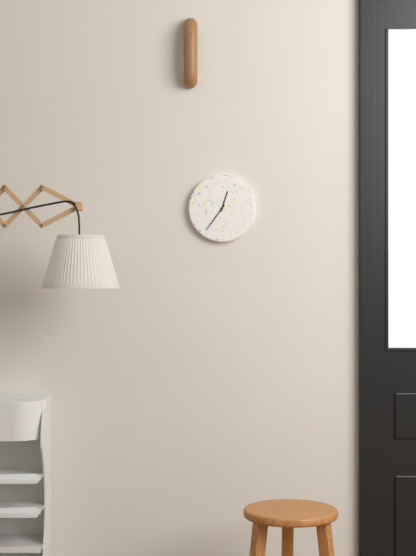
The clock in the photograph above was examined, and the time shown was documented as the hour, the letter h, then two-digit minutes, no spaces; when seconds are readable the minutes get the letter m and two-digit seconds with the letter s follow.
12h36
